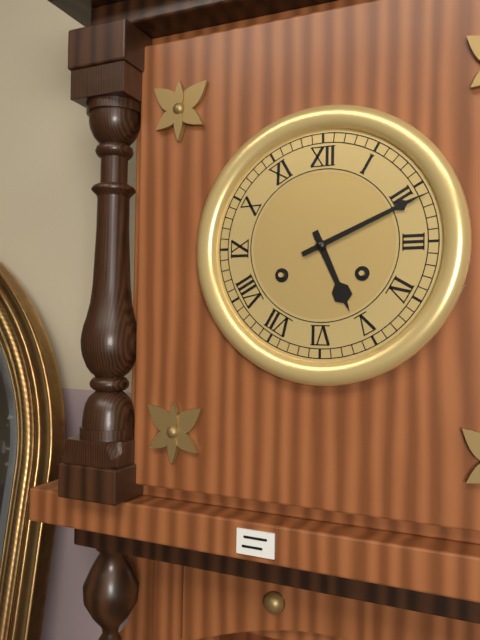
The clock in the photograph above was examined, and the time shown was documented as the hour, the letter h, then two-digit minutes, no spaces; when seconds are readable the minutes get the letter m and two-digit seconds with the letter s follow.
5h11
